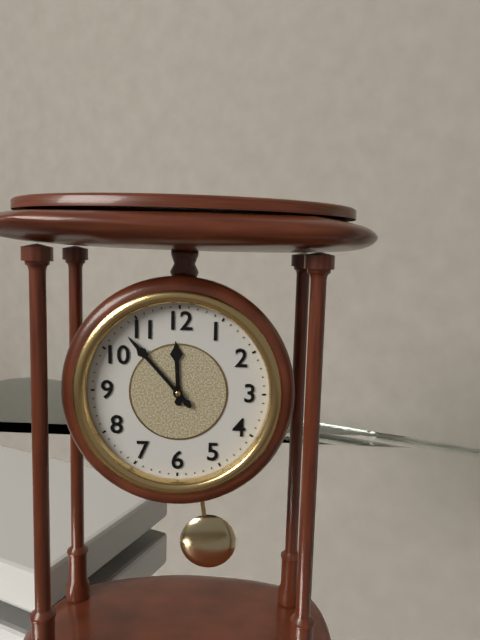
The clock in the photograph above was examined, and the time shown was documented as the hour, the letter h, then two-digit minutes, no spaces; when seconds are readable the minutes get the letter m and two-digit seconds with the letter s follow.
11h53
